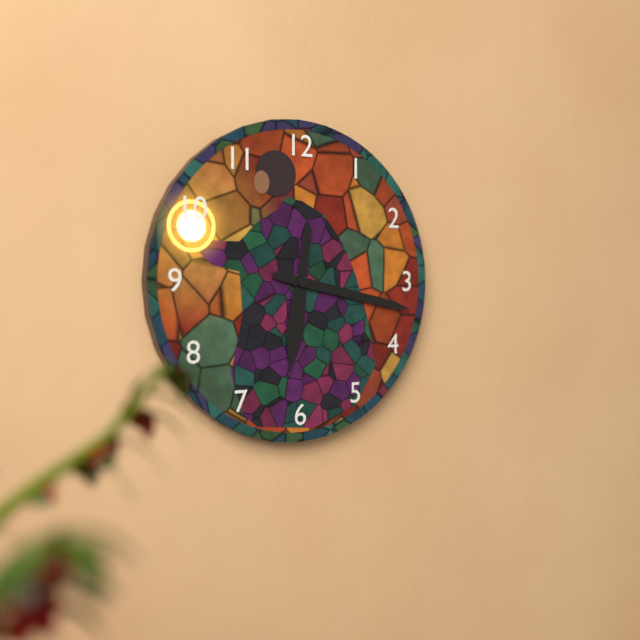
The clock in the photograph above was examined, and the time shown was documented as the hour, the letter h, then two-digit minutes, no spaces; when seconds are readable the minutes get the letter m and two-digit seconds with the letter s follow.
6h17
